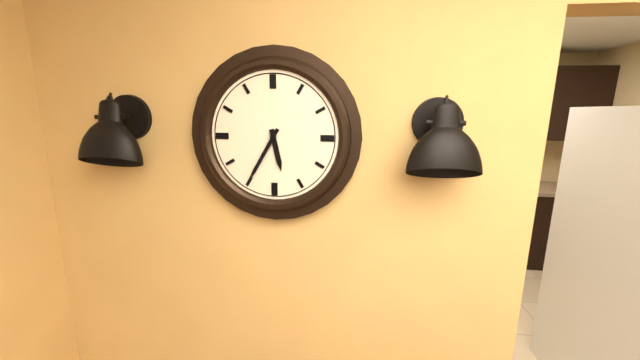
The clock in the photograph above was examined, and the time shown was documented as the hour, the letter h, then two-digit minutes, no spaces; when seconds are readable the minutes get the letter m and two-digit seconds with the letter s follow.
5h35
